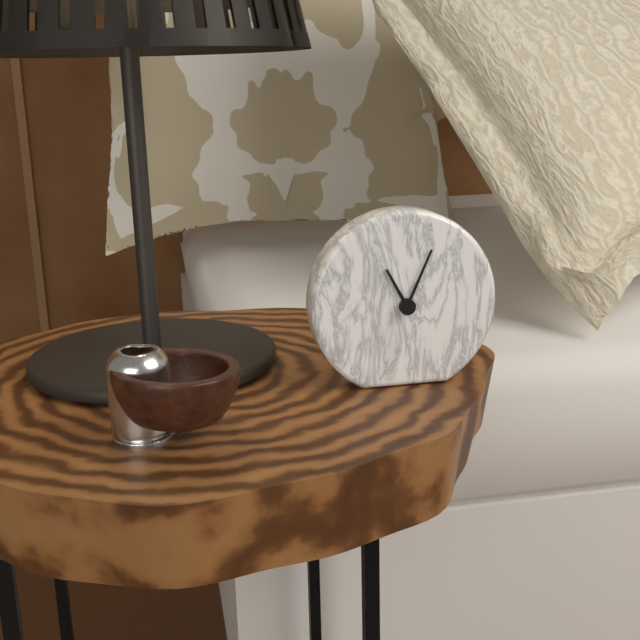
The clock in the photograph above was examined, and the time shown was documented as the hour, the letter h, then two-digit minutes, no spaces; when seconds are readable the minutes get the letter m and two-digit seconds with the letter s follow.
11h04
